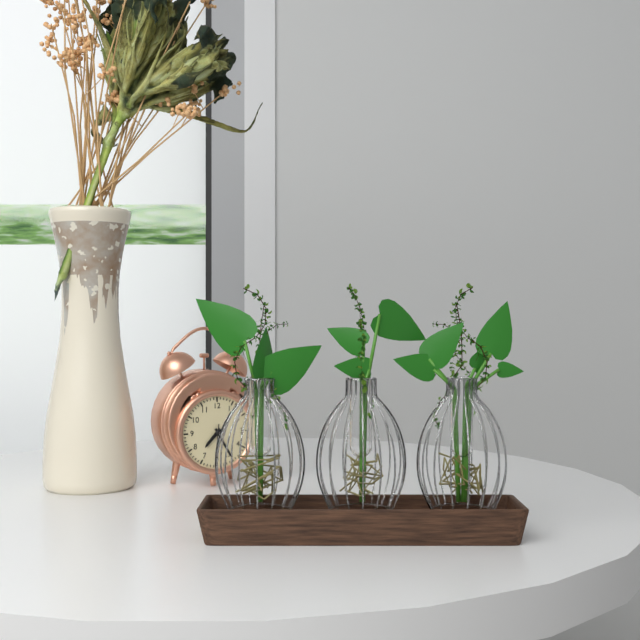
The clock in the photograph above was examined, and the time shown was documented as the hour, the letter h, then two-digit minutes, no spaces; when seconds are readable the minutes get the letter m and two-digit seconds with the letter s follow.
7h25
